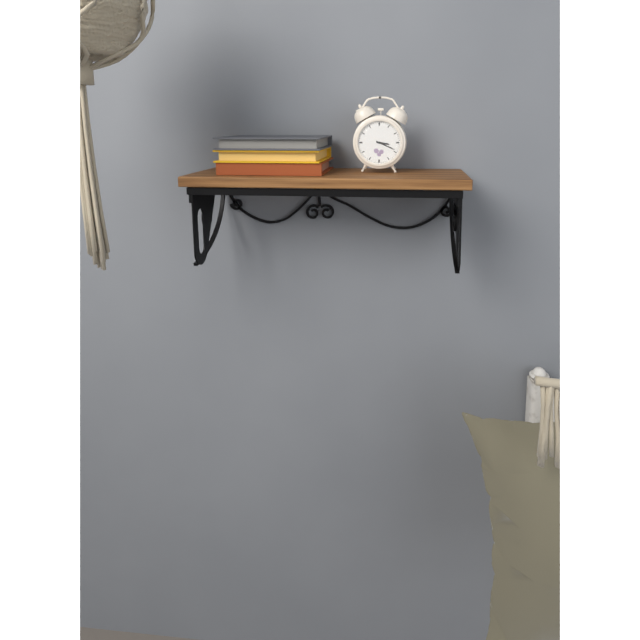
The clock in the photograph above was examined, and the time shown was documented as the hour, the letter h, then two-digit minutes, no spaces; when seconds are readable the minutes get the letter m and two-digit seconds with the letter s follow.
3h19
